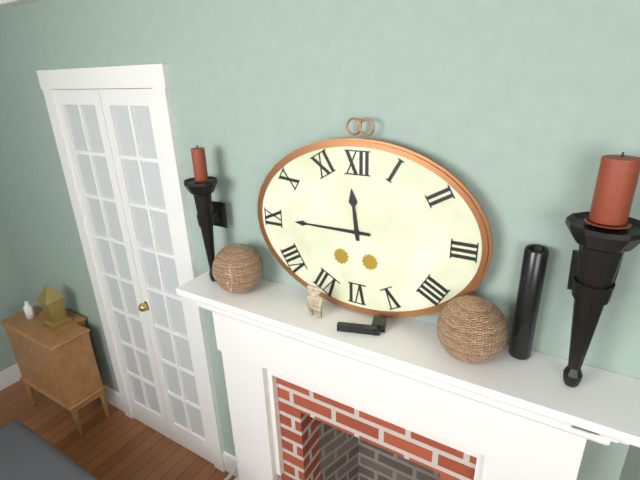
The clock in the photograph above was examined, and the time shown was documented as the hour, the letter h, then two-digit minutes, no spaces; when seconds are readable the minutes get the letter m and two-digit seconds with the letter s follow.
11h45
